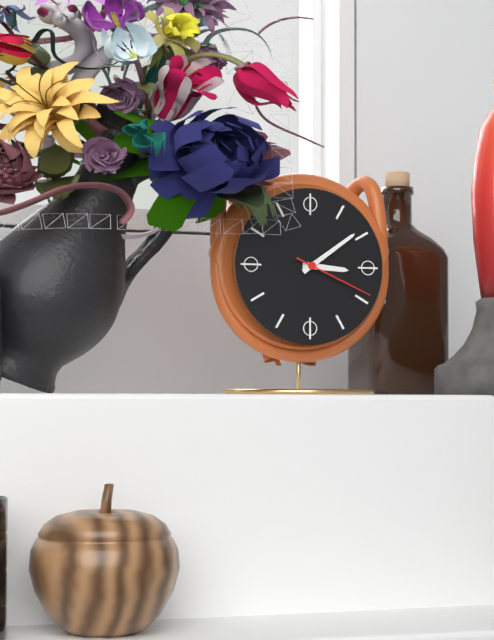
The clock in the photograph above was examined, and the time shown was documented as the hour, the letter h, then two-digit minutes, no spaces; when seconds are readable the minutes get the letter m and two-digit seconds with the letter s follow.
3h09m19s
